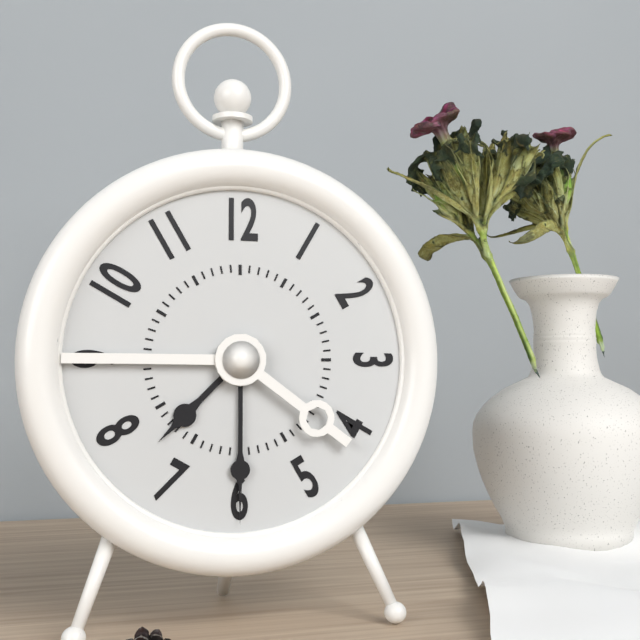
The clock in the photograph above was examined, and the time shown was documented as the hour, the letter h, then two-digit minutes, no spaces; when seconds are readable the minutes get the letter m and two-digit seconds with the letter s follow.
7h30
